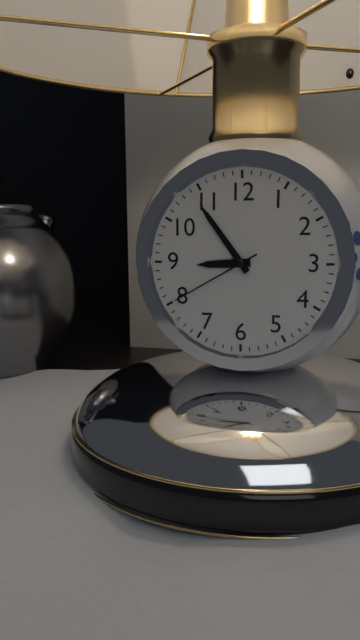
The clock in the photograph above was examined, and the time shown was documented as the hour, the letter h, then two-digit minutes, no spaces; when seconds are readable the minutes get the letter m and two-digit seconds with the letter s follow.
8h54m40s
